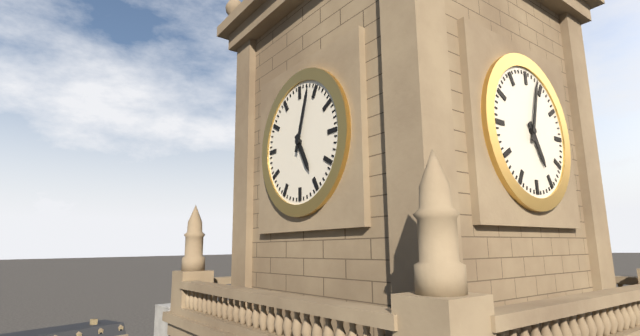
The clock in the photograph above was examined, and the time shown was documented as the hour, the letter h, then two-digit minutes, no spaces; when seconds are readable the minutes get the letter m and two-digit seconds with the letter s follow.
5h03
